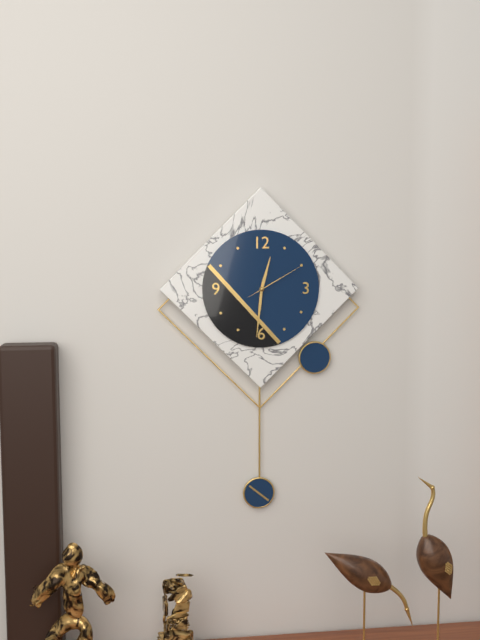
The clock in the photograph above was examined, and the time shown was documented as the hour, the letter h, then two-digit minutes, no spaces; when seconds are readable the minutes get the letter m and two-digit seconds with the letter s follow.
12h31m10s
